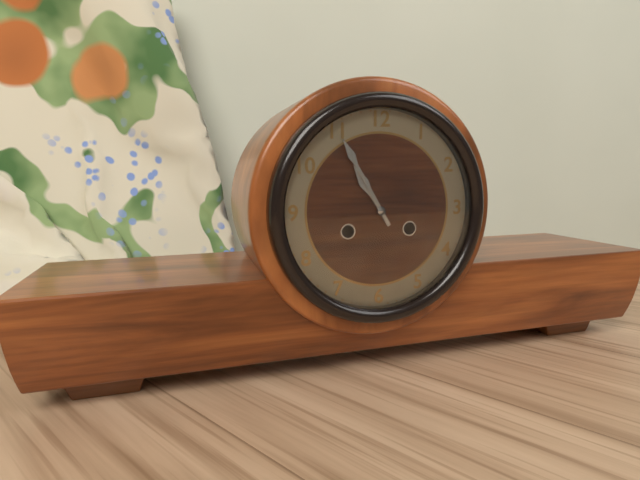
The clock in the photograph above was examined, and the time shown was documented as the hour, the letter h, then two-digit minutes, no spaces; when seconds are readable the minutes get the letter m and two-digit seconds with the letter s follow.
10h55
